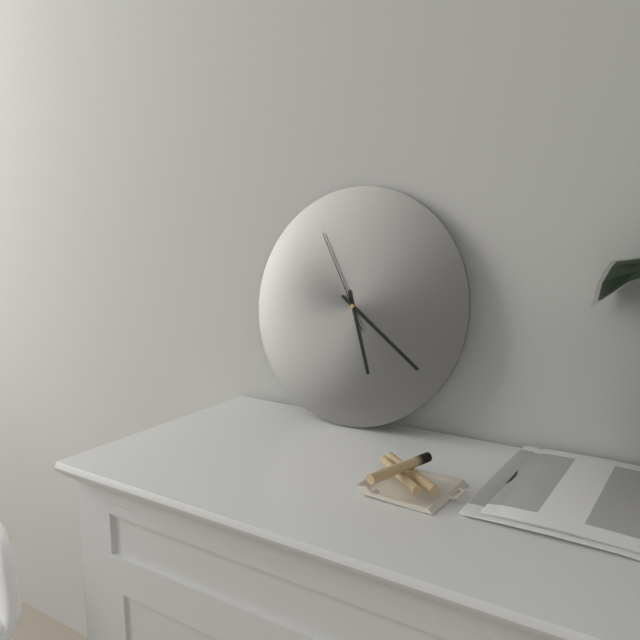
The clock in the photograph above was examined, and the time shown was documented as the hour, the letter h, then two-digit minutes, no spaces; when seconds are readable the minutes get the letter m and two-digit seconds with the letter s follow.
5h21m55s
